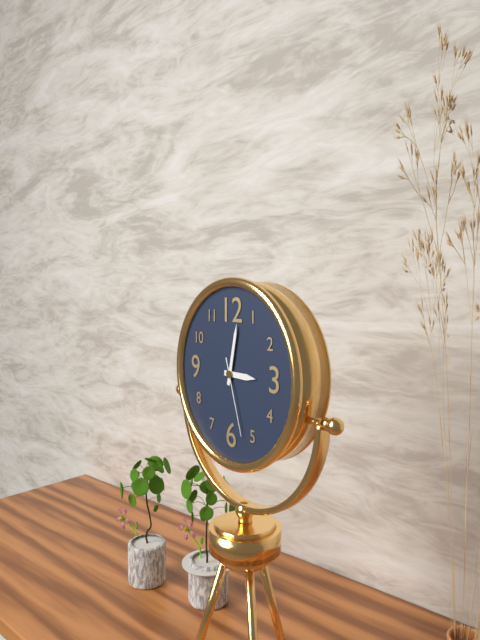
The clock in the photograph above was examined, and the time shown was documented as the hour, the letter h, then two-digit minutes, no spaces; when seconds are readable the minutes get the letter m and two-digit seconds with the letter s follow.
3h02m27s
